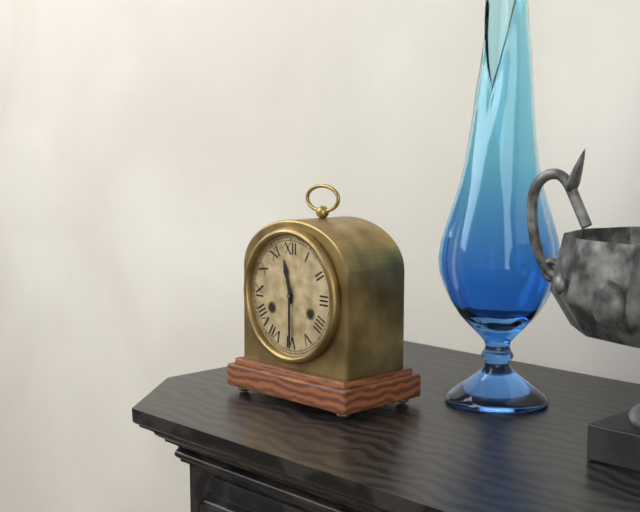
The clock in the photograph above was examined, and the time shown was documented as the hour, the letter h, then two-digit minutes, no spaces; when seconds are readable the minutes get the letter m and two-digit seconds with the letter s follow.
11h30
